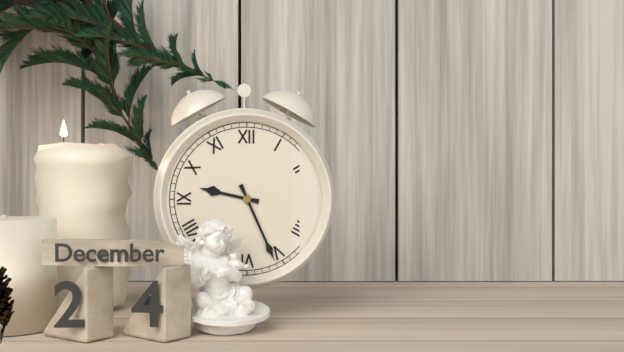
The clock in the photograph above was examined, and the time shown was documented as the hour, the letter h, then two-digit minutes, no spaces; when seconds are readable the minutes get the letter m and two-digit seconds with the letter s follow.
9h26
